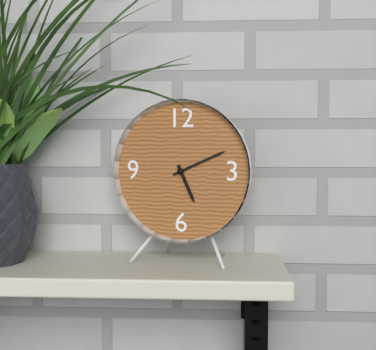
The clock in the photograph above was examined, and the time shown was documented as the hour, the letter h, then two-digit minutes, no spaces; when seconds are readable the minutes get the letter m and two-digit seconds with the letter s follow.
5h11
